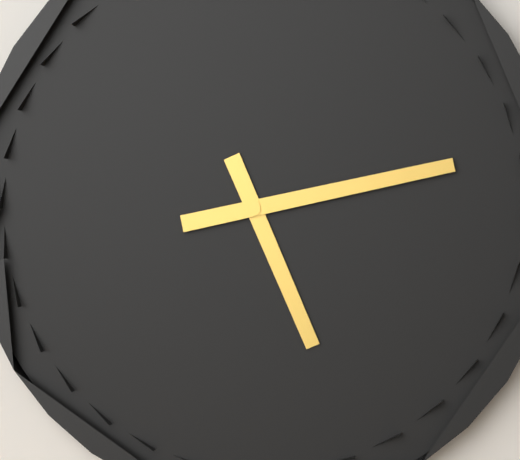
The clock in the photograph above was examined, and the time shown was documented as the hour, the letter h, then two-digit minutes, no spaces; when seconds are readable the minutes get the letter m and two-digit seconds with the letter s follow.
5h13
